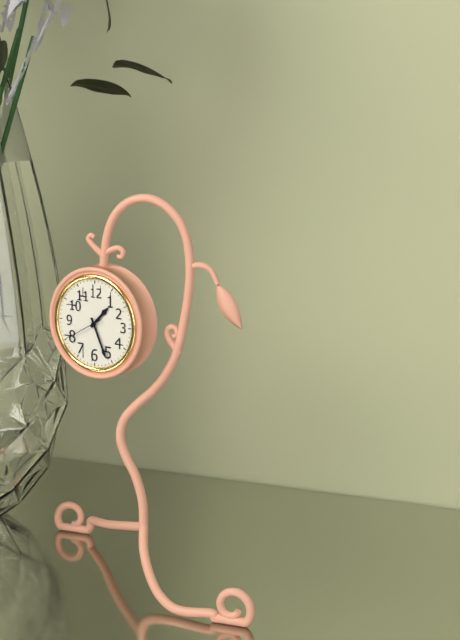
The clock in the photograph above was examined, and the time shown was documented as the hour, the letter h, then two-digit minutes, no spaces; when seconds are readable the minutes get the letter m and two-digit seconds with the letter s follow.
1h26
